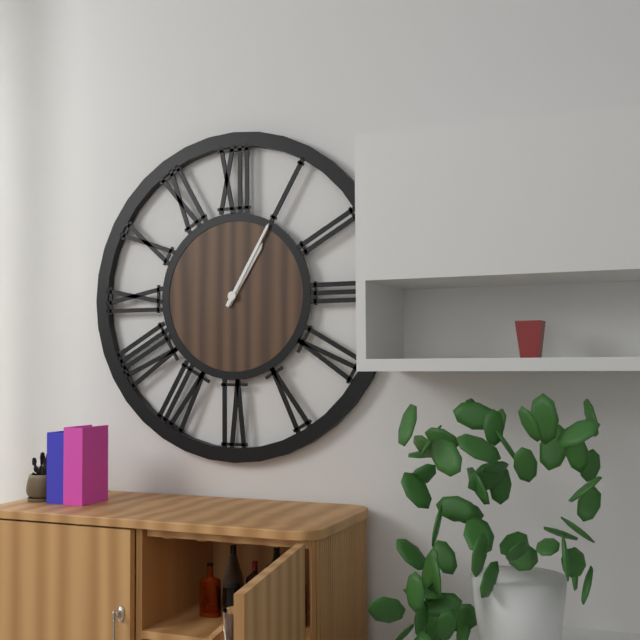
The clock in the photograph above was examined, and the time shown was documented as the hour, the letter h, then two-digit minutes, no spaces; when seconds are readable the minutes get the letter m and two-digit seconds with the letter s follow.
1h05
